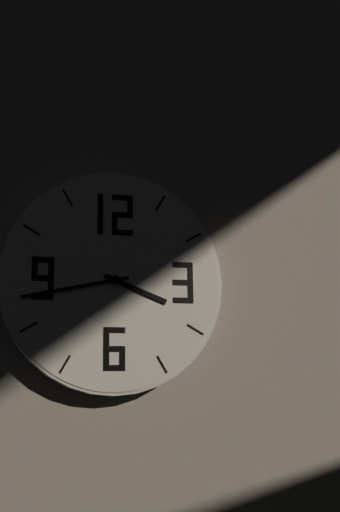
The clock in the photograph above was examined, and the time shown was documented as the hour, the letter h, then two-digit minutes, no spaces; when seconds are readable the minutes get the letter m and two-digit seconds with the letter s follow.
3h43
